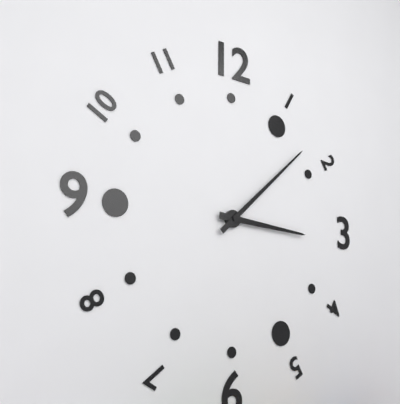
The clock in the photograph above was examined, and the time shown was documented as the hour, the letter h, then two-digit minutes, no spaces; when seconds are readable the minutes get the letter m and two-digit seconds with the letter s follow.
3h08
